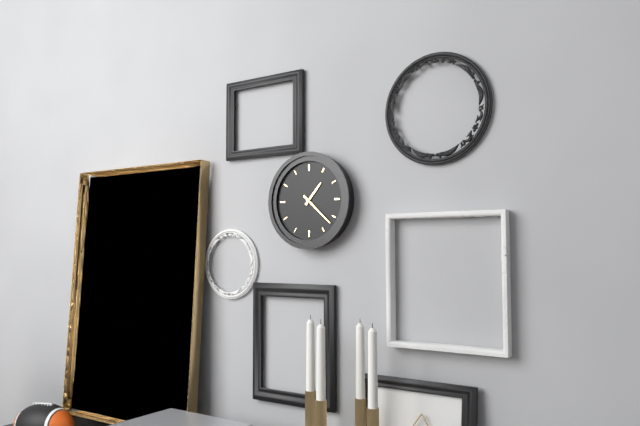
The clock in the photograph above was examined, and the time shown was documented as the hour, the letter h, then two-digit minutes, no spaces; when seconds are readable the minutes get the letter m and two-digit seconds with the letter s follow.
1h22
